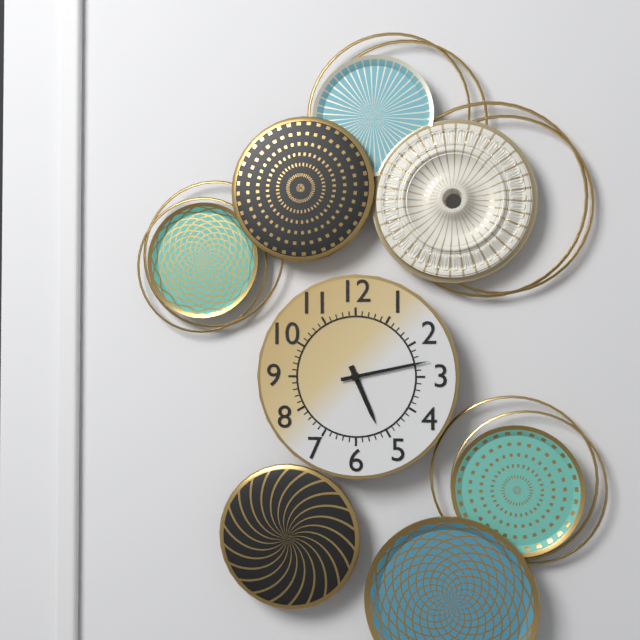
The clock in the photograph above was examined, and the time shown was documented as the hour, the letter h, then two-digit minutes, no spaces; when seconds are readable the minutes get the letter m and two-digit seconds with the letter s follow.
5h13
